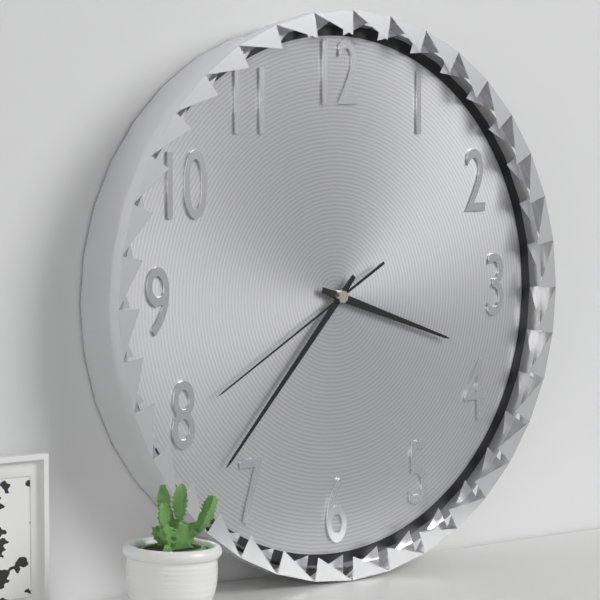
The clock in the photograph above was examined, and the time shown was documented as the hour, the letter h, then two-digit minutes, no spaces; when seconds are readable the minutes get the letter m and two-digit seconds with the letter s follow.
3h37m40s
